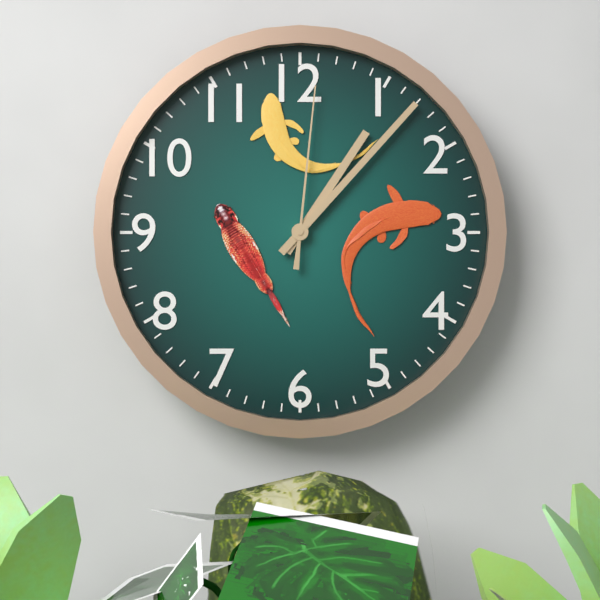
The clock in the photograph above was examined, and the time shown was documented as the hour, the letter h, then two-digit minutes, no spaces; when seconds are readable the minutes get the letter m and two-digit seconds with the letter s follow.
1h07m01s
